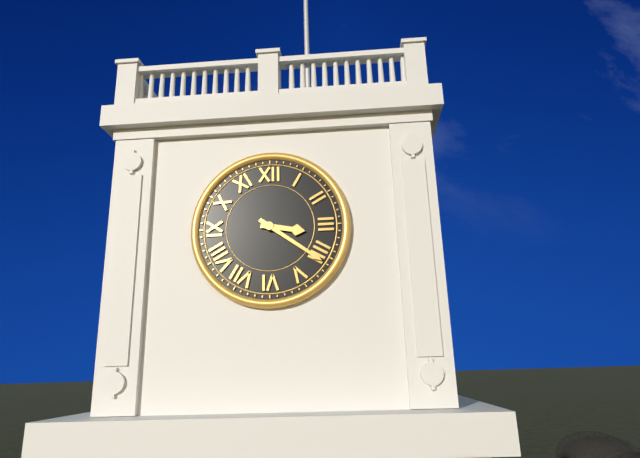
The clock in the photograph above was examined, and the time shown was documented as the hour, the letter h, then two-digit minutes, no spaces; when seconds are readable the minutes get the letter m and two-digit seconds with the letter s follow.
3h21
